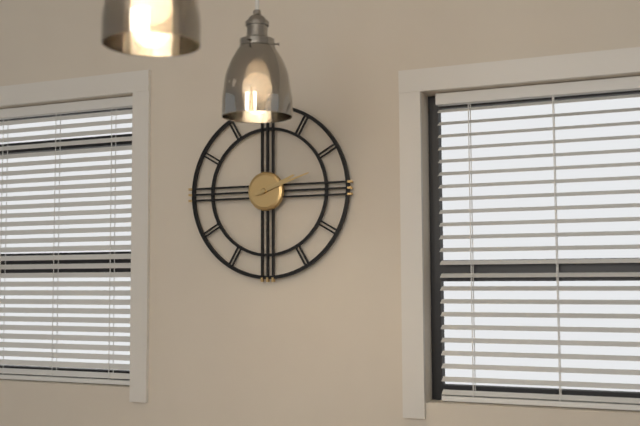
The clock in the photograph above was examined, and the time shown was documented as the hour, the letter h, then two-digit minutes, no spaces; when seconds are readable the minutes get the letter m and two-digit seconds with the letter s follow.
2h12
